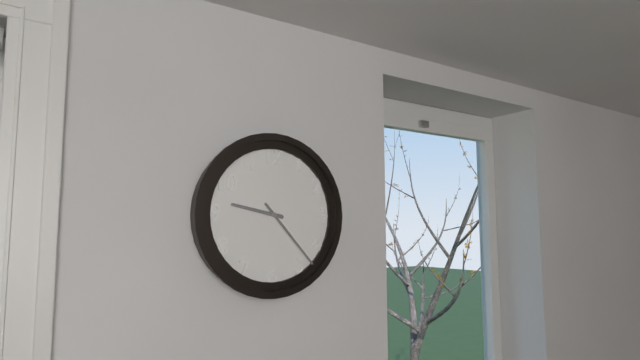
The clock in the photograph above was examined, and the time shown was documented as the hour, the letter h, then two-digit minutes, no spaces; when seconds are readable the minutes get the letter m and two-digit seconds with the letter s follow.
9h23
